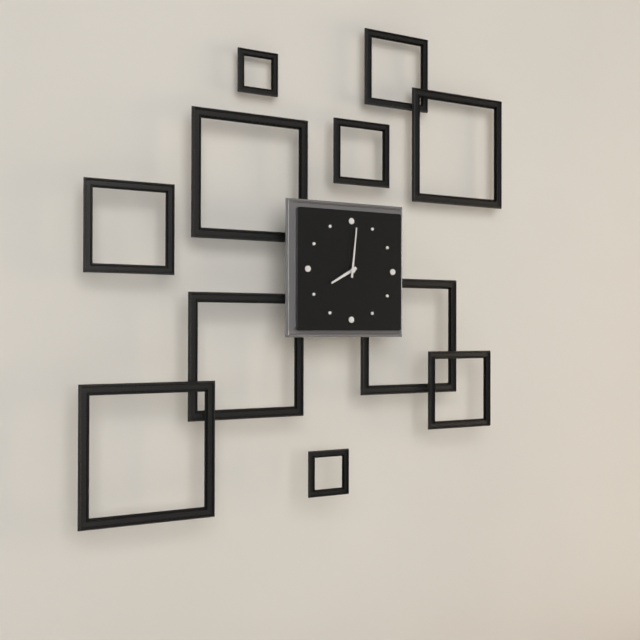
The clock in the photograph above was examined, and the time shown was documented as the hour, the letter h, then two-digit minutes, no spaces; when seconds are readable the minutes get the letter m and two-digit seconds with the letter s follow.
8h01
